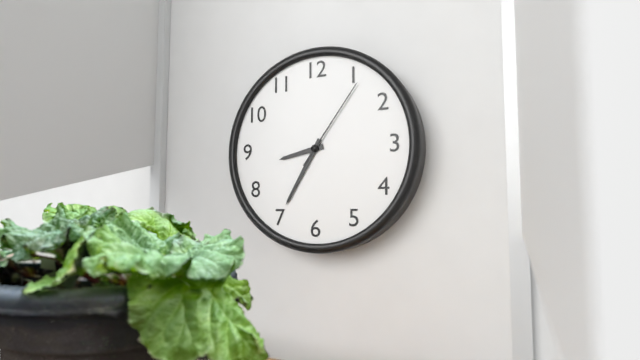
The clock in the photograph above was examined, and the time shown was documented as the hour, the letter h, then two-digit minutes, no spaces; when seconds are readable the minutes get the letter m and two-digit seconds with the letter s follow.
8h35m06s
